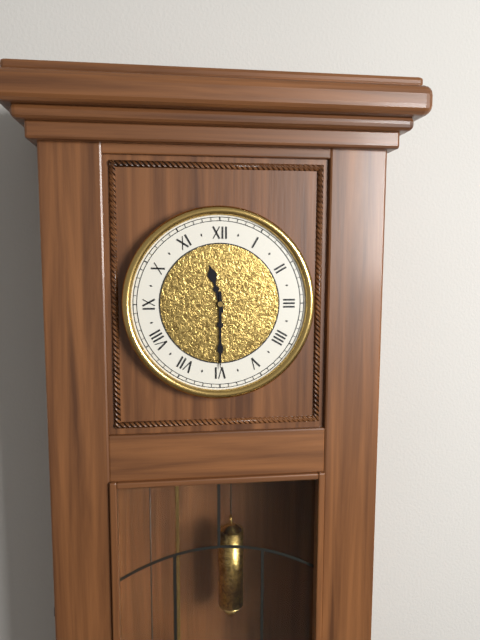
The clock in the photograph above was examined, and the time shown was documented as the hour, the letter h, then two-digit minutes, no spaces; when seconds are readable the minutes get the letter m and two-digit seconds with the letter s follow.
11h30
